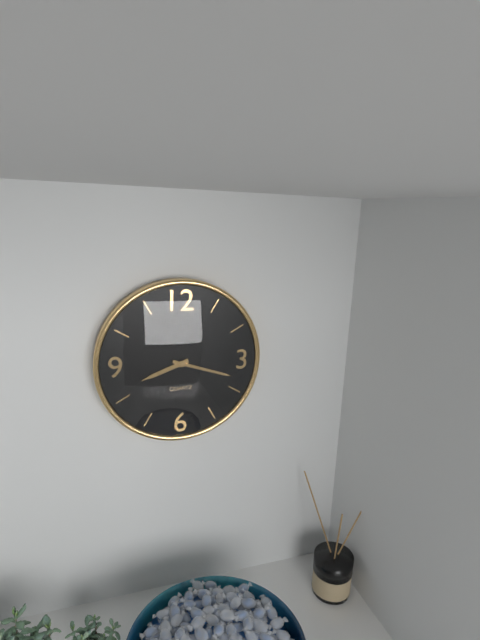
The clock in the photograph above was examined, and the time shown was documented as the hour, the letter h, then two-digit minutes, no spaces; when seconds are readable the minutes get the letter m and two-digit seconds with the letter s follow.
8h18
